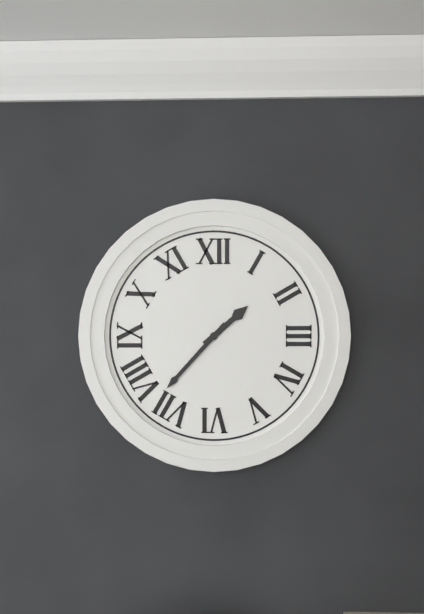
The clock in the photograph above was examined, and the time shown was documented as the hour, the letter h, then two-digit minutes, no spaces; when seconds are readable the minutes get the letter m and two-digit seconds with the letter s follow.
1h37
